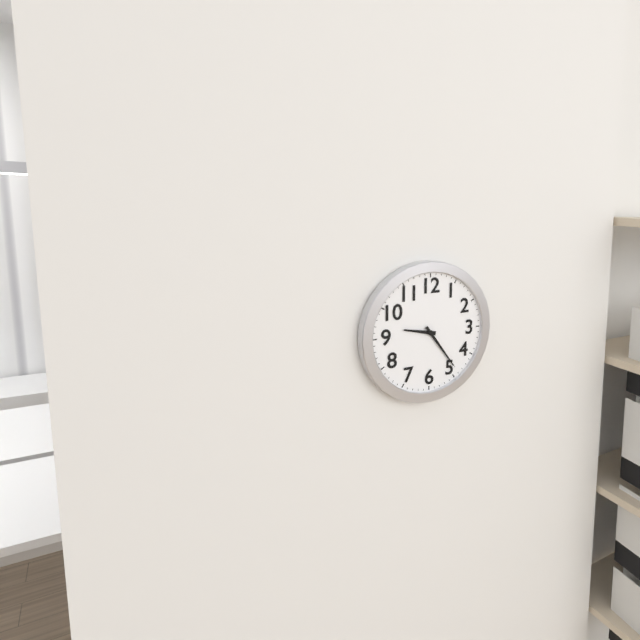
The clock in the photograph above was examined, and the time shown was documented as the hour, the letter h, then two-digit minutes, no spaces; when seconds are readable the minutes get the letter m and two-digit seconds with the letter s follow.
9h24
